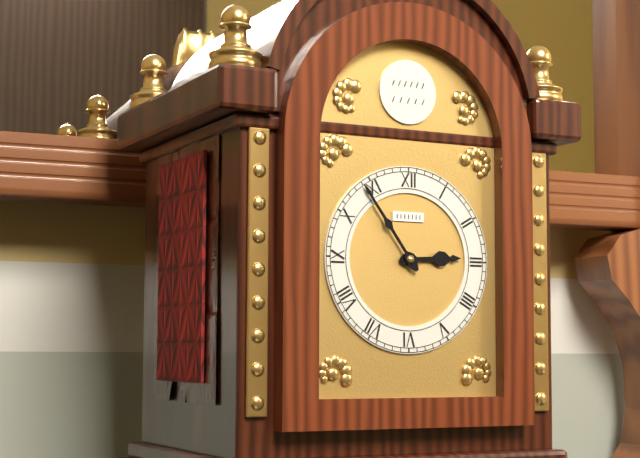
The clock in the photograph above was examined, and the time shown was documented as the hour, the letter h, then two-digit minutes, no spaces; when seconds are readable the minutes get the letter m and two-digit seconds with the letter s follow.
2h54
